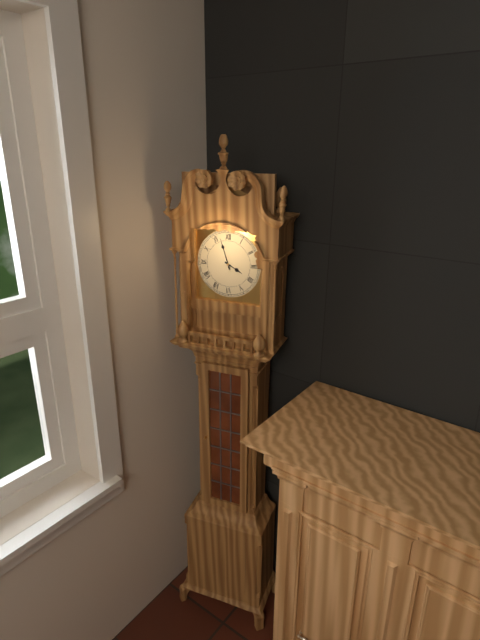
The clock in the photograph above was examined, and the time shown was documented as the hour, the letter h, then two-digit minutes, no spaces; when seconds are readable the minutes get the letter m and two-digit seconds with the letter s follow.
3h57
